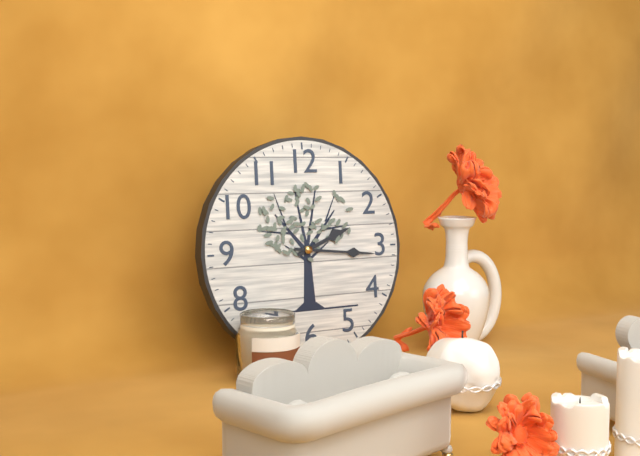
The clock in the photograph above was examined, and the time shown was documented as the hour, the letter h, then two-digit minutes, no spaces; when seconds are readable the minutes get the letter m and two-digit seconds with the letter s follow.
2h16
